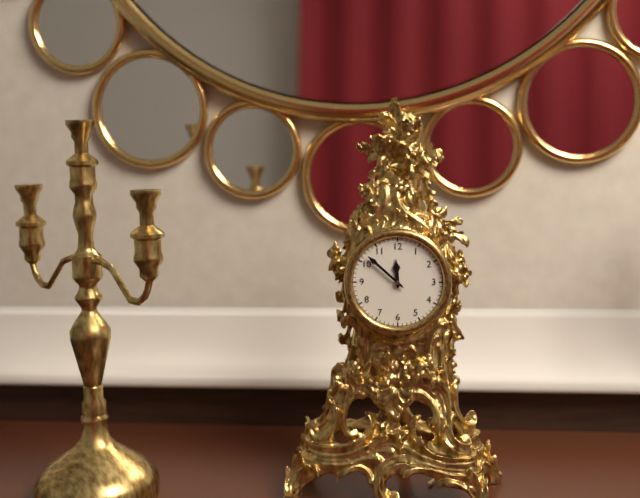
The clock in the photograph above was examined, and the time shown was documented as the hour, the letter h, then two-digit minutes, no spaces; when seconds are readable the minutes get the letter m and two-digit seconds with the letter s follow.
11h52
